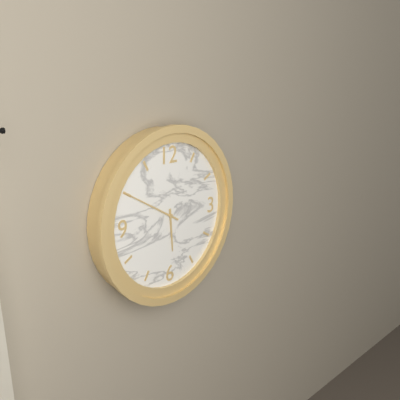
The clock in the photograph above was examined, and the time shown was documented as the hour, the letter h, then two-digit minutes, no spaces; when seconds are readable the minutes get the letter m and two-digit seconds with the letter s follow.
5h50
